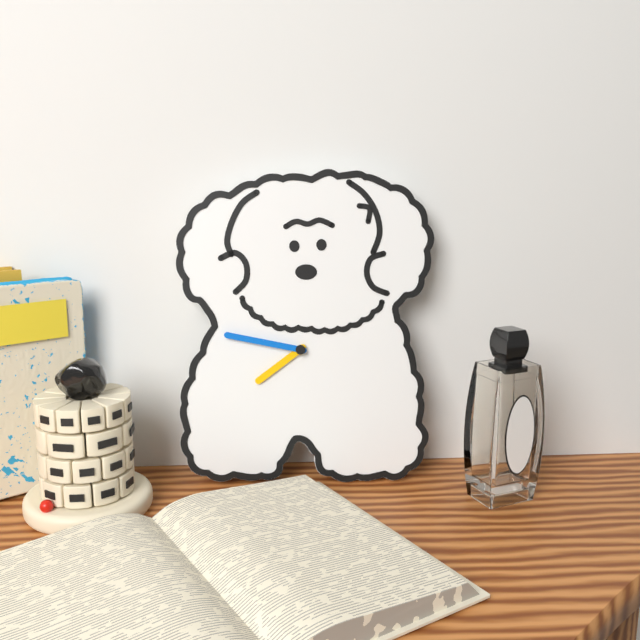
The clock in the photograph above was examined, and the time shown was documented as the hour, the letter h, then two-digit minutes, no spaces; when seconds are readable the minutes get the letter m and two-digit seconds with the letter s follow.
7h47
